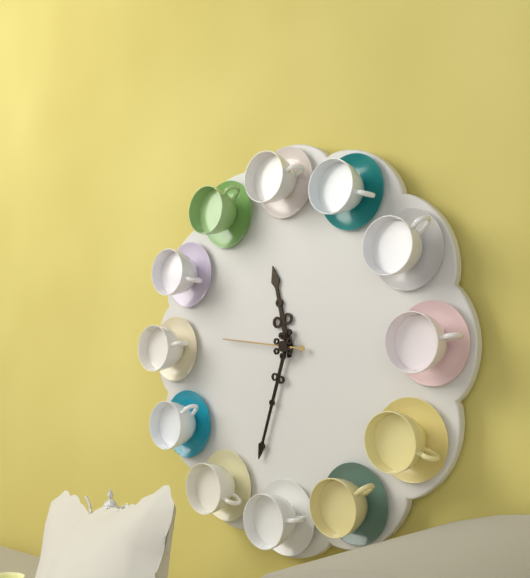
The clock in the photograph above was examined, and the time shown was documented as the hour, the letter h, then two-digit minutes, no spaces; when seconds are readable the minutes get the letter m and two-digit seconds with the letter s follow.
11h33m46s
